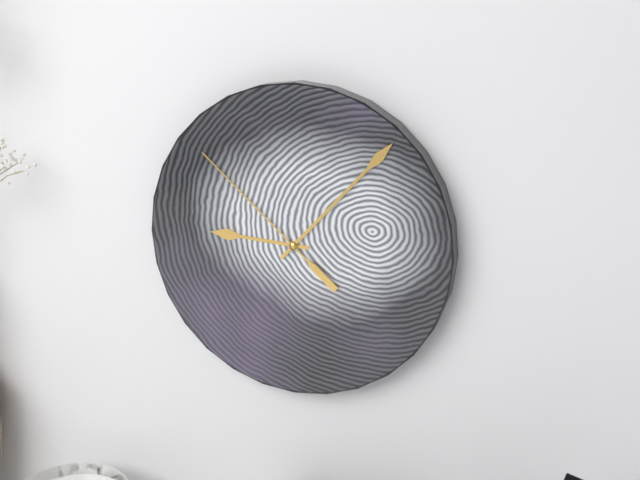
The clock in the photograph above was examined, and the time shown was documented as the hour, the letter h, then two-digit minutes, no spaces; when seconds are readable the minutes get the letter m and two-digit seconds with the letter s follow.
9h07m52s
